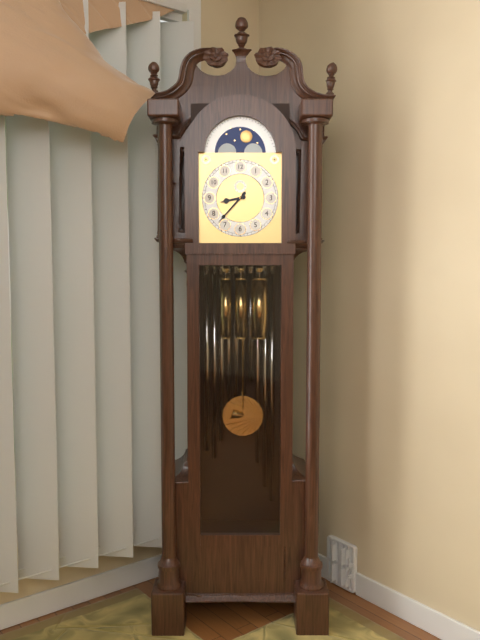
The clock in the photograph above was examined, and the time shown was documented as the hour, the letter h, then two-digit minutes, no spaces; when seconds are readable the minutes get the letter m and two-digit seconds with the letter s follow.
8h37
